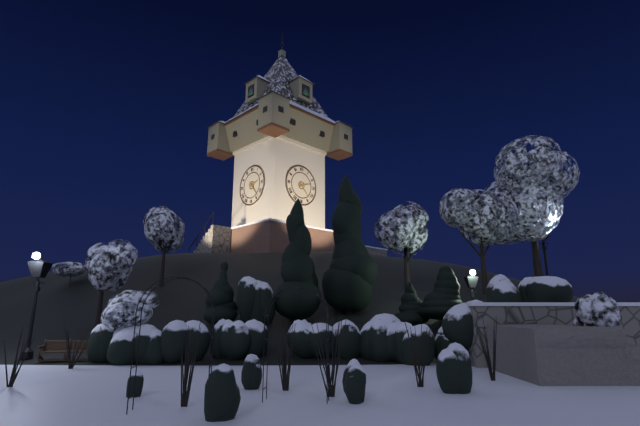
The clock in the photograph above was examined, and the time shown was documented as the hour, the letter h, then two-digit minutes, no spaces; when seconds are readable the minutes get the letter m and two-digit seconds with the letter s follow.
2h23
